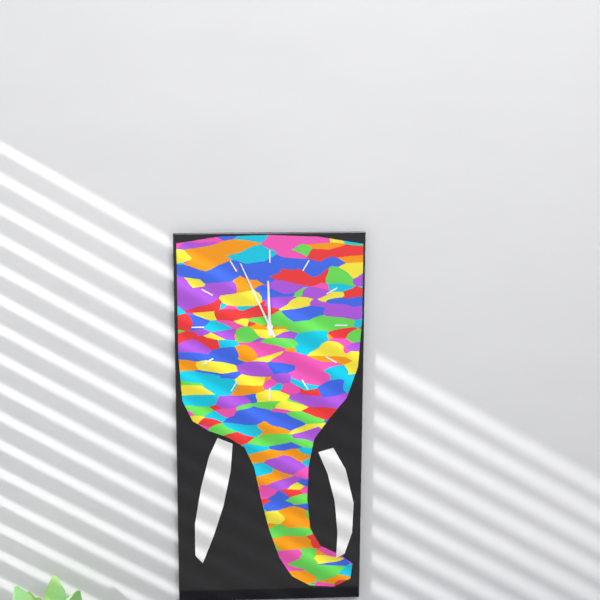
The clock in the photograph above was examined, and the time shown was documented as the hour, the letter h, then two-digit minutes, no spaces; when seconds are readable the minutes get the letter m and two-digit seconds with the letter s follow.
11h56
